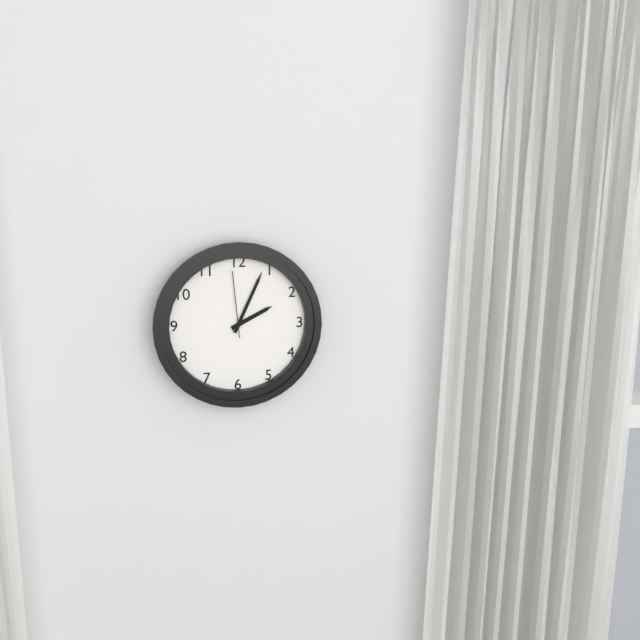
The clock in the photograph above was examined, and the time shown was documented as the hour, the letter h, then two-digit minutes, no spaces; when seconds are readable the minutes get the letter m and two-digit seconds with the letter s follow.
2h04m59s
